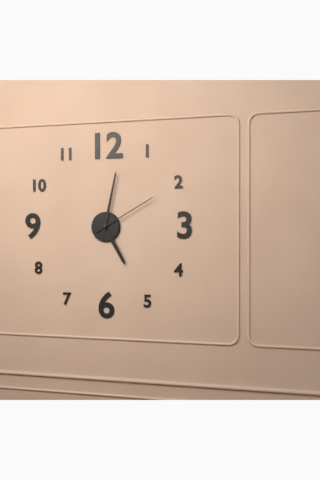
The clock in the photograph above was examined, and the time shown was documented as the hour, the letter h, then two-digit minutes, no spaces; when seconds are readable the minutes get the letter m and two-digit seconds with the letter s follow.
5h02m10s
